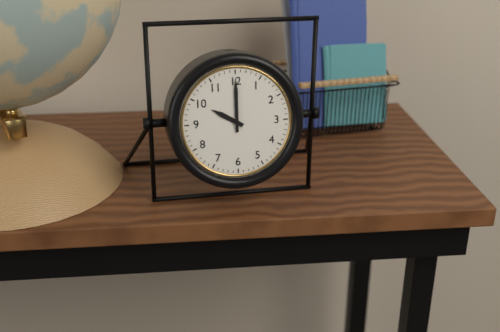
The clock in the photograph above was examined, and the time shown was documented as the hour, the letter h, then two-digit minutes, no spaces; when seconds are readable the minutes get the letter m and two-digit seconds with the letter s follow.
10h00
